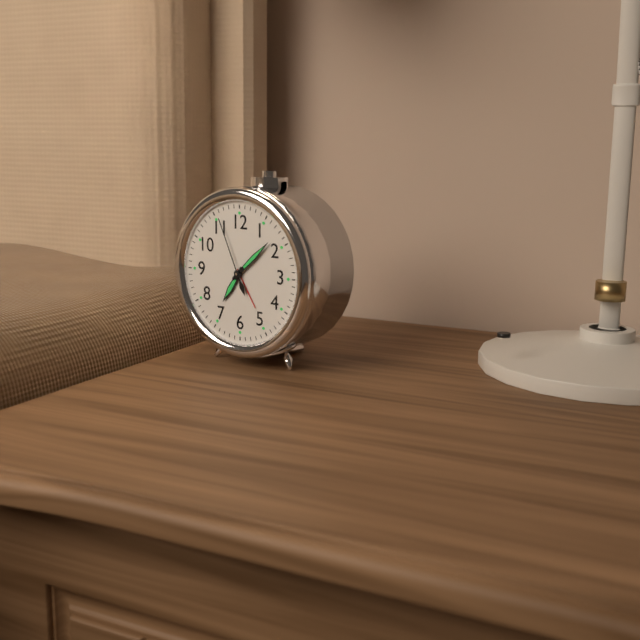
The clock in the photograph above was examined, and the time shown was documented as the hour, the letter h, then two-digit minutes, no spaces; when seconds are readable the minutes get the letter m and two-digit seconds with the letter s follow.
7h08m56s
